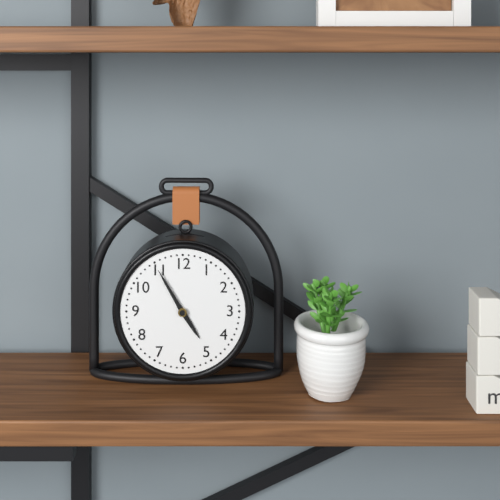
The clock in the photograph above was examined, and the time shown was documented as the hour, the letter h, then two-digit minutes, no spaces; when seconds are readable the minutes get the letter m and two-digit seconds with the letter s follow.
4h55
